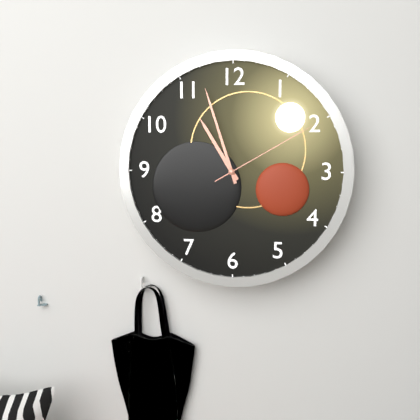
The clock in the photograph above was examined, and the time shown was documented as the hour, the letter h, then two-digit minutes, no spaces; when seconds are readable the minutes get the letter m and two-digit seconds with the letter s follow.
10h57m10s
